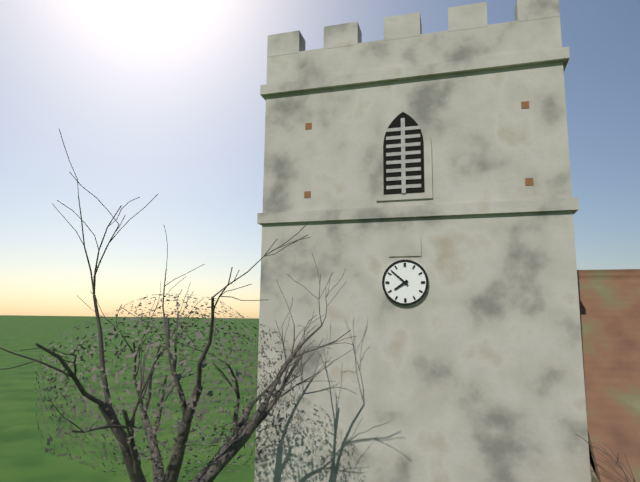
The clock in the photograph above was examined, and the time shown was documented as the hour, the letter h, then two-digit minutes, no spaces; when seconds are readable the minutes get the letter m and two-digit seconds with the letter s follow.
7h52
